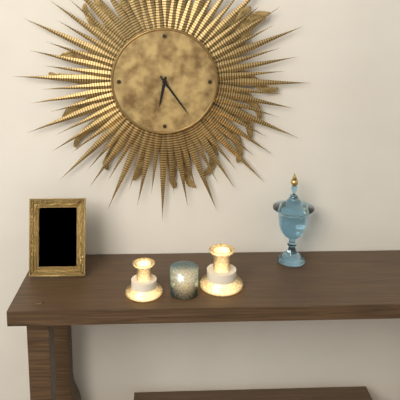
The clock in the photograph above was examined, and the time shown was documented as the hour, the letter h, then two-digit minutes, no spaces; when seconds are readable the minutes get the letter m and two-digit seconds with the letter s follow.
6h24
